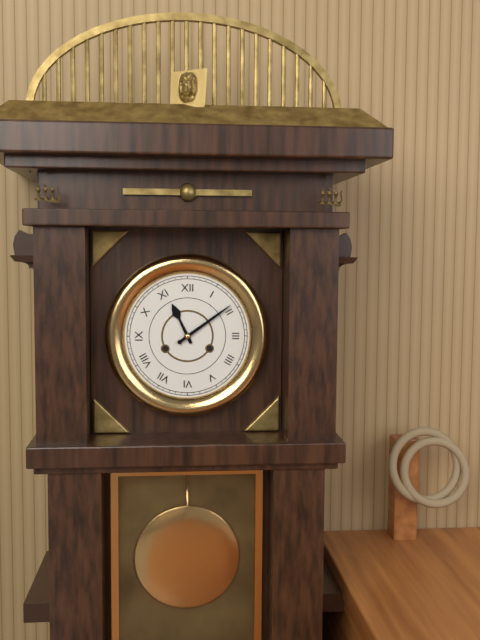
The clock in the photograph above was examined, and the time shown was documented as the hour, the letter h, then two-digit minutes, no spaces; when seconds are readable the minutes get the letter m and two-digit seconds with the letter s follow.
11h09
